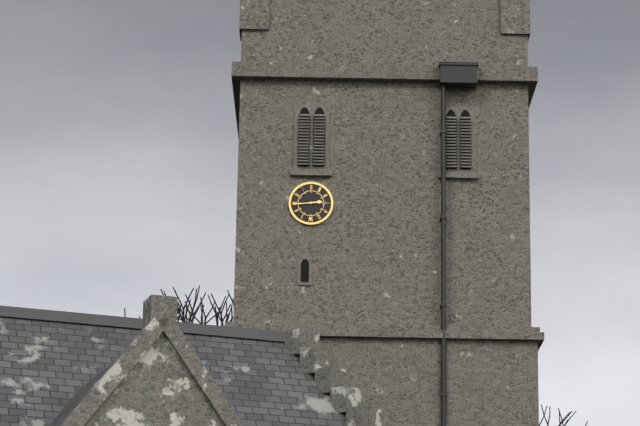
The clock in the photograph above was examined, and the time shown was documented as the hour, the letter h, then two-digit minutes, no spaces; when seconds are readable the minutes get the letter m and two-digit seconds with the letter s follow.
2h44
